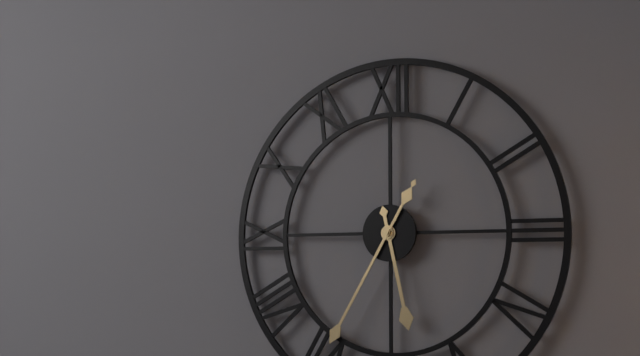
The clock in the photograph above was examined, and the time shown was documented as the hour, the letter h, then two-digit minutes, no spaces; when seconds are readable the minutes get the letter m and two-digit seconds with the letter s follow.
5h35
